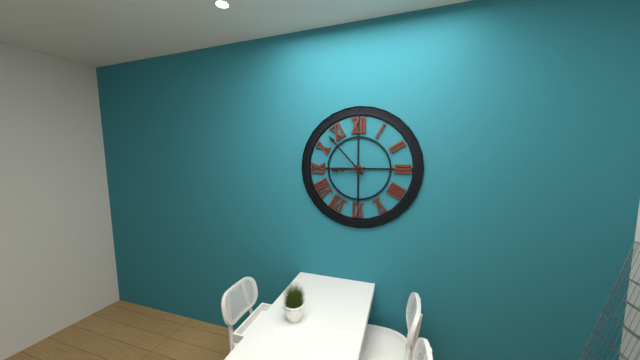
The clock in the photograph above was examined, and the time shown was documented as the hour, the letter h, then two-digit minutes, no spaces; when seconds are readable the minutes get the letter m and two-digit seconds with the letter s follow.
8h53
